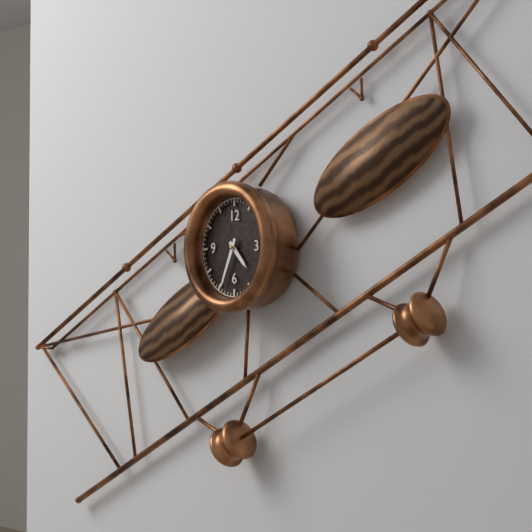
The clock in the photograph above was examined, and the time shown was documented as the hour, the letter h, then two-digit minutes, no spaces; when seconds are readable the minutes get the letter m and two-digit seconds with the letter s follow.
4h34
